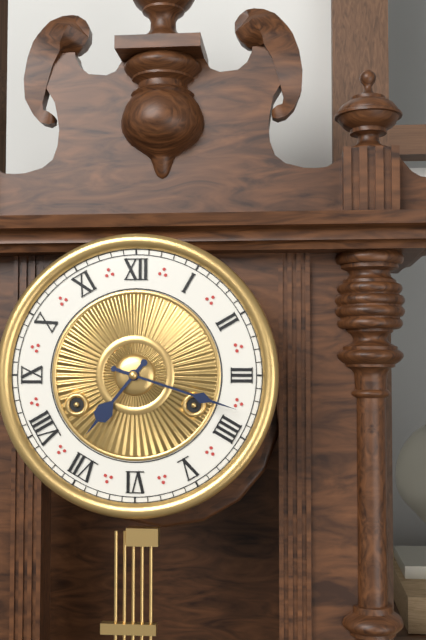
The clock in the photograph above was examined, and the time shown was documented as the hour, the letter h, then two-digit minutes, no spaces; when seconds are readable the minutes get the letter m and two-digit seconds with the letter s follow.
7h18
